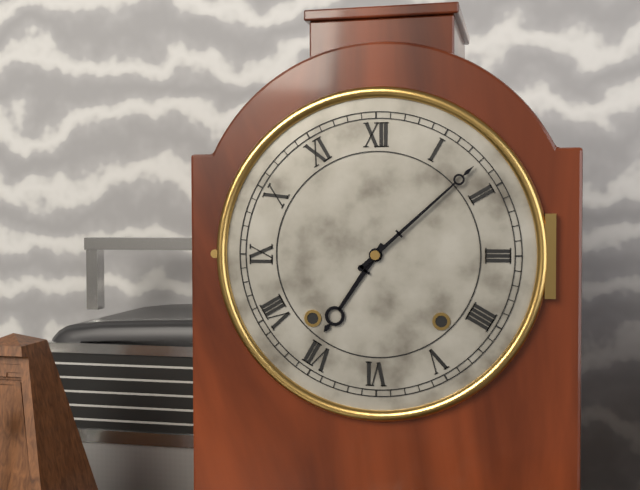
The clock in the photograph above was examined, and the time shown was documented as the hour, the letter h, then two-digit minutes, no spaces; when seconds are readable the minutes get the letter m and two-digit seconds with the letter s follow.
7h08
